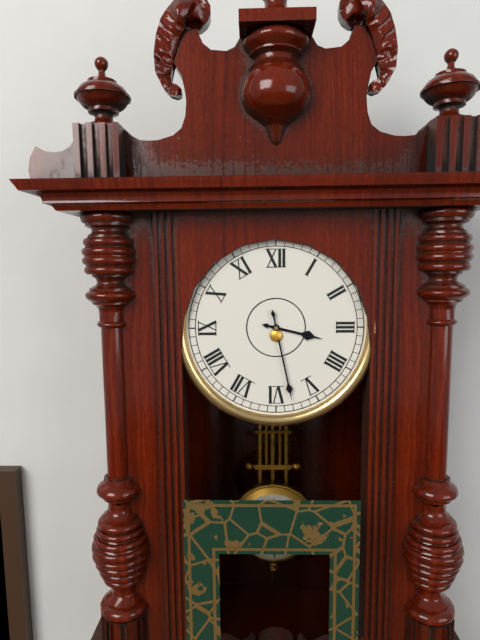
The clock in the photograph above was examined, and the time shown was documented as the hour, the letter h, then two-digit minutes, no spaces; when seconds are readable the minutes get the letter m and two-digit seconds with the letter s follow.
3h28
